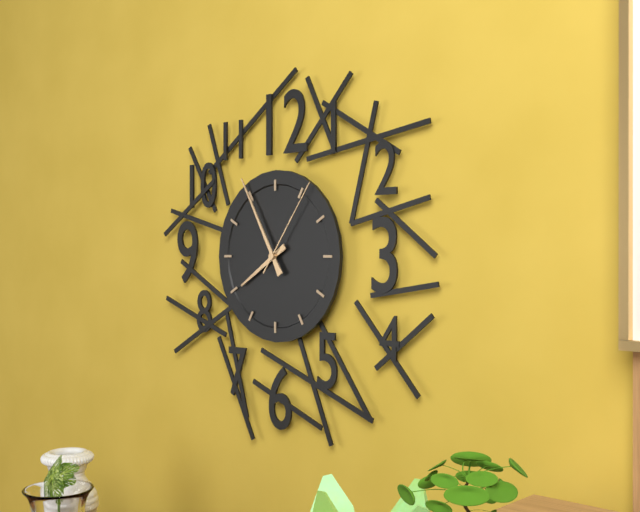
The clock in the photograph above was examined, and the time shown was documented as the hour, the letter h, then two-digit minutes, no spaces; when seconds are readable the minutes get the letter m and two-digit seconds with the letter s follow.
7h55m06s
